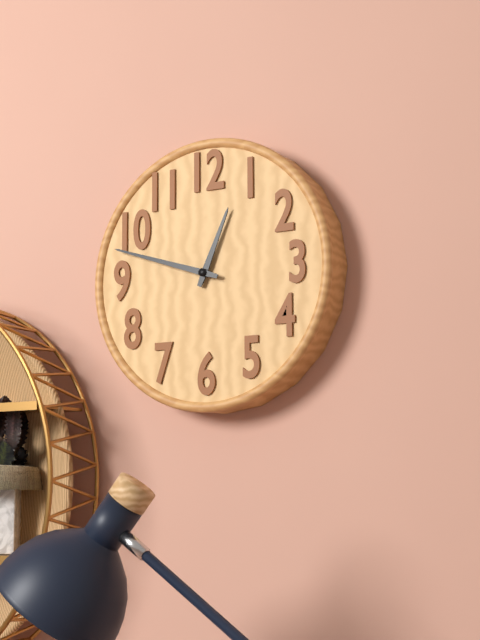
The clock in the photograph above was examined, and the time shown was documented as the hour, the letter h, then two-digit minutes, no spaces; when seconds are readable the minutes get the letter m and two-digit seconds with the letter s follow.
12h48
